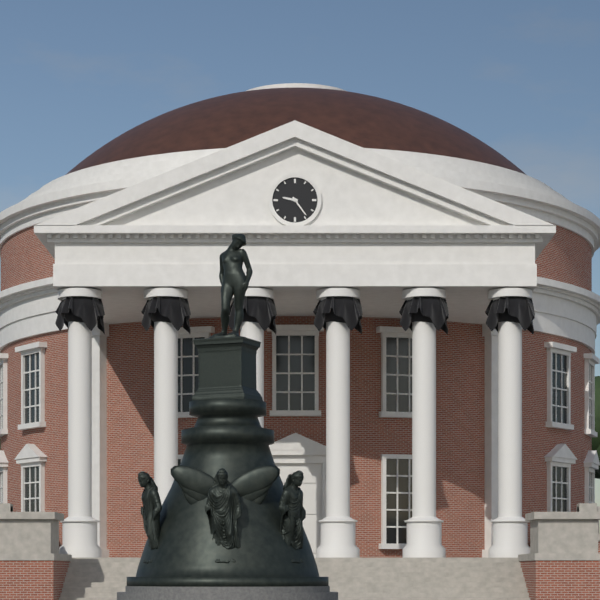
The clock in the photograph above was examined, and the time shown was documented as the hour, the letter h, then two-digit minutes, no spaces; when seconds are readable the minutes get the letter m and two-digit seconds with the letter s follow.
9h24
